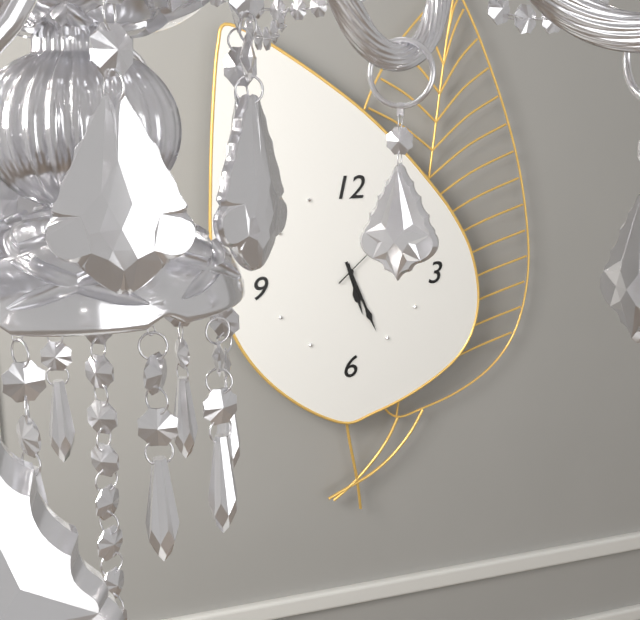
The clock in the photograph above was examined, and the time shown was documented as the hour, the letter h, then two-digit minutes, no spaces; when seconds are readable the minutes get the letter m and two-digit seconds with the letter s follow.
5h26
